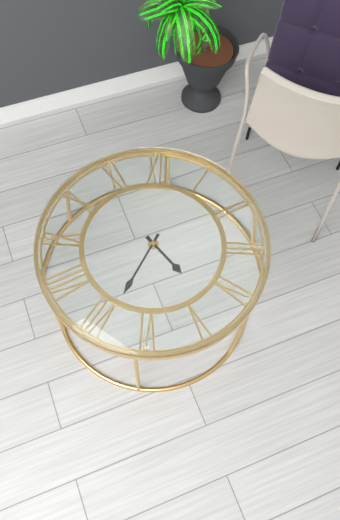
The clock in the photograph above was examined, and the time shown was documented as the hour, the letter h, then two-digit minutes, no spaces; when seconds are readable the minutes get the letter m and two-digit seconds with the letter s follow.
4h34
